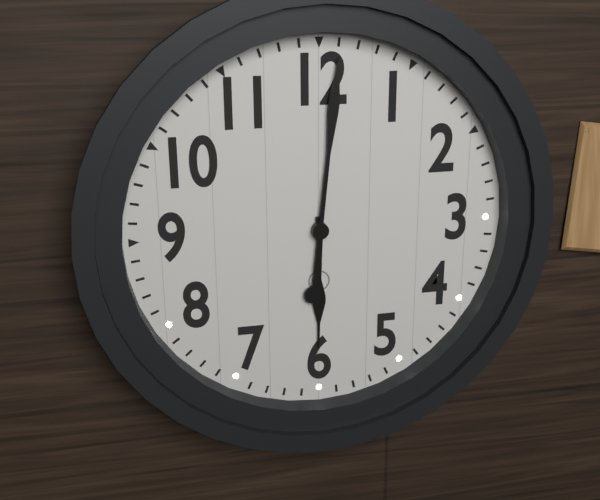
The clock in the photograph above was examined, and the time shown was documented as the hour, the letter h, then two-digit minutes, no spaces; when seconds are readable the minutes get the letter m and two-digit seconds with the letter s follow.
6h01
